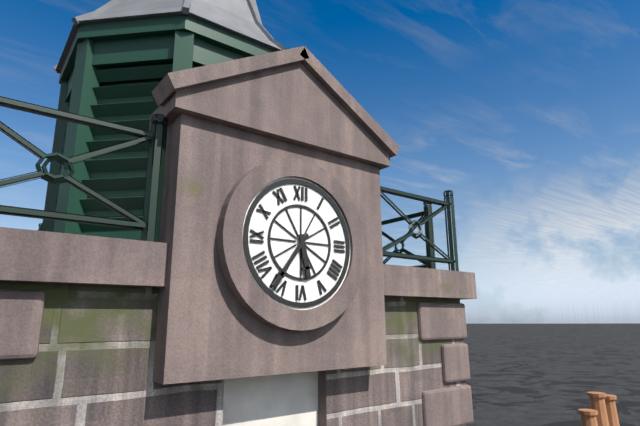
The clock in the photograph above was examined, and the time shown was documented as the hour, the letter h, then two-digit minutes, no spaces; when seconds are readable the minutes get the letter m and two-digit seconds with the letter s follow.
5h36
